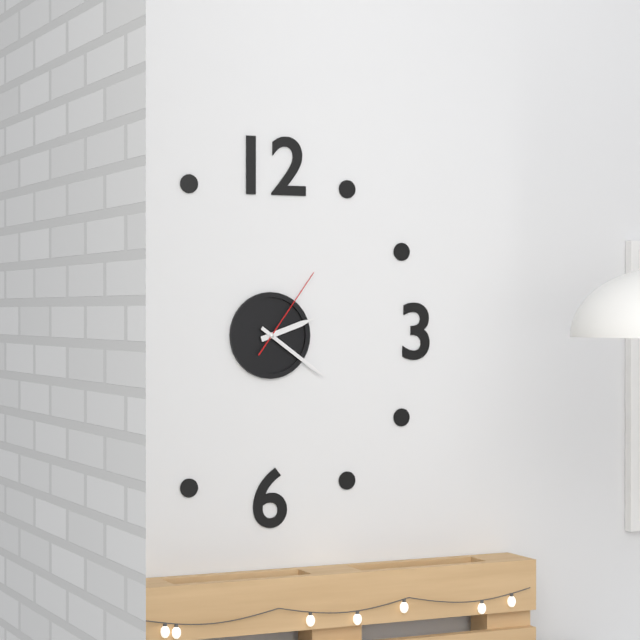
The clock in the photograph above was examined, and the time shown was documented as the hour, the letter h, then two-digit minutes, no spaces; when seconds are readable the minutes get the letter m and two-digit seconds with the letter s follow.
2h21m06s
